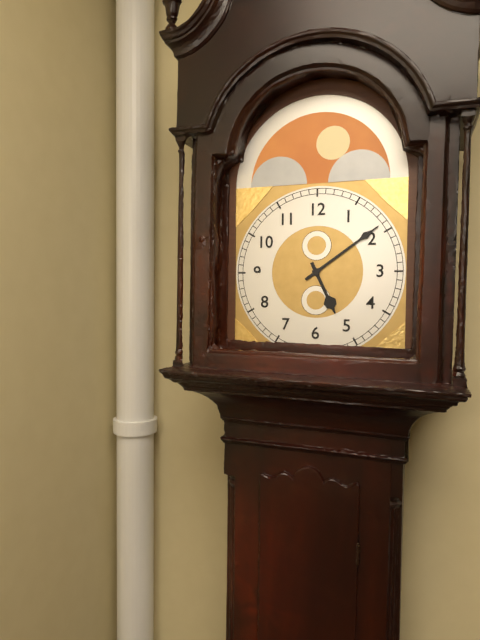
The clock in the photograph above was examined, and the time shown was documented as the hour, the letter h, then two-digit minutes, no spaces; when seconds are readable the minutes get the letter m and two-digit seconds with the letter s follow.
5h09
